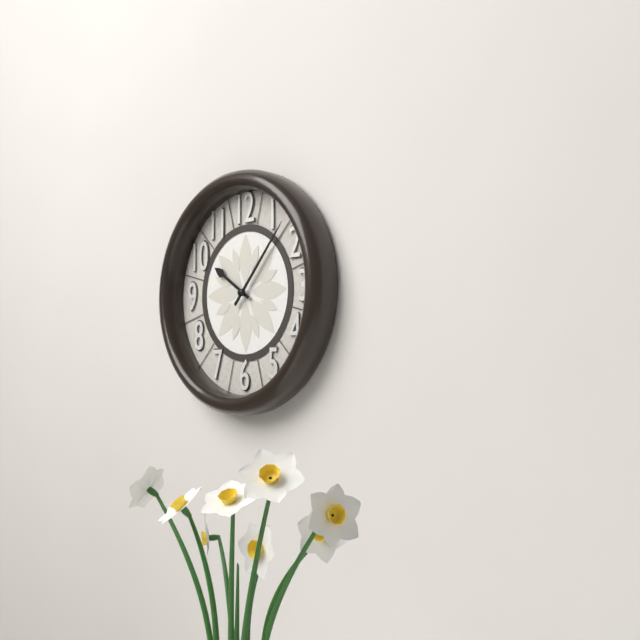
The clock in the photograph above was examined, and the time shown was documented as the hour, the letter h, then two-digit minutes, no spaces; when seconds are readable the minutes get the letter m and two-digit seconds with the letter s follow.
10h07
